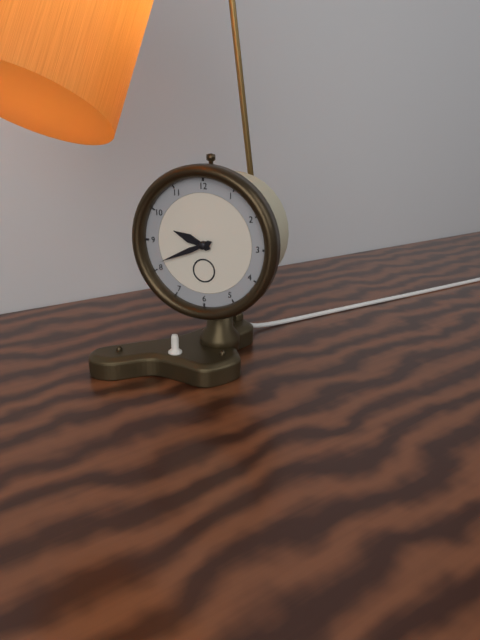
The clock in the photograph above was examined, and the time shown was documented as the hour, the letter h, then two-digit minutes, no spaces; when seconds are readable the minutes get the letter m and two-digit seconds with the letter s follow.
9h41
